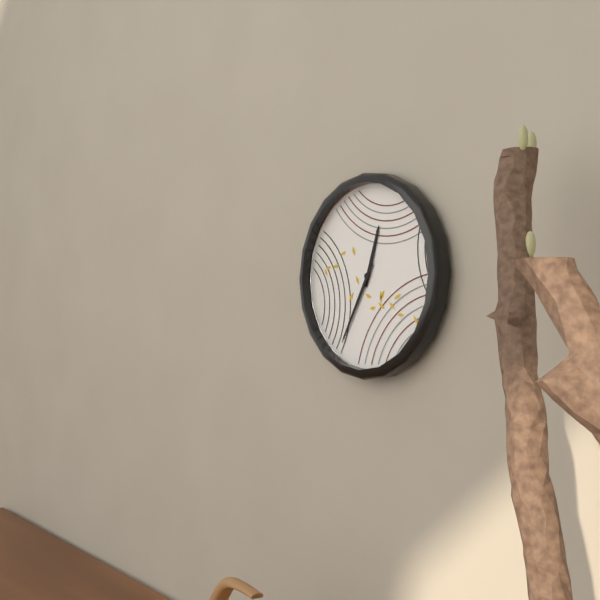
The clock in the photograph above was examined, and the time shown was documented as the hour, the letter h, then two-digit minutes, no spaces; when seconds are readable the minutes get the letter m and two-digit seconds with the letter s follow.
12h35
